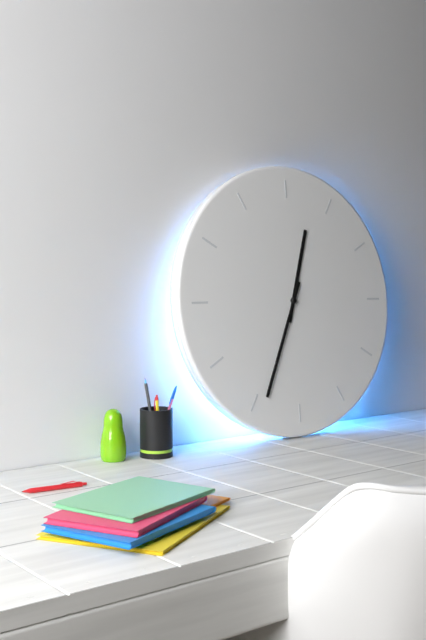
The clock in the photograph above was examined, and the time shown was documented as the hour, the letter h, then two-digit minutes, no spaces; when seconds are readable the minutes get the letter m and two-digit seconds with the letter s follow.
12h34
